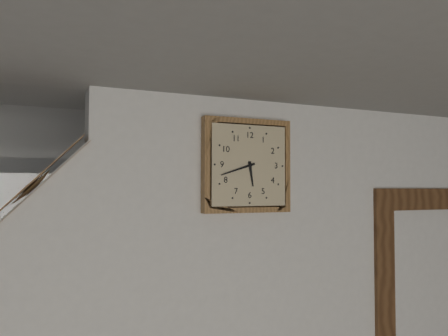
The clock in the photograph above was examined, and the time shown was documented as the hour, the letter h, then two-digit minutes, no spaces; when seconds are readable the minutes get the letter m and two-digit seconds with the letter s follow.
5h42
